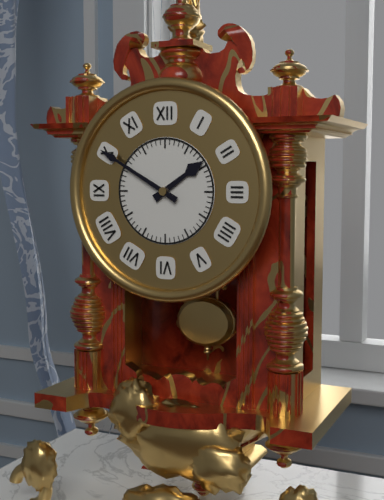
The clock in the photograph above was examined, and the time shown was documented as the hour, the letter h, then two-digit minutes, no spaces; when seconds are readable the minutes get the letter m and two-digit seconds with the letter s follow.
1h50
